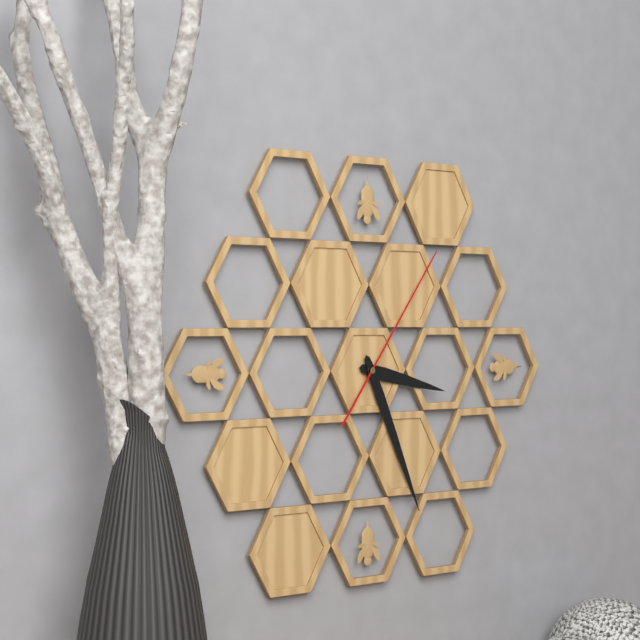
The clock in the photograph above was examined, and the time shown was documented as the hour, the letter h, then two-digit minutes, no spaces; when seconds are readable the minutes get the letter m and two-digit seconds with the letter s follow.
3h26m06s
